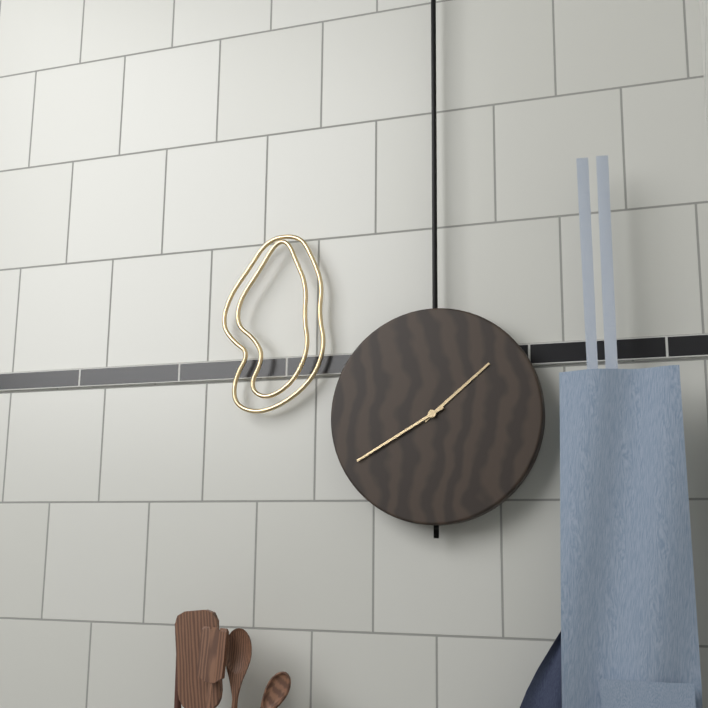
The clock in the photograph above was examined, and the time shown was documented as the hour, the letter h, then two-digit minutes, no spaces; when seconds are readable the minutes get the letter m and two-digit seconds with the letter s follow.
1h40
